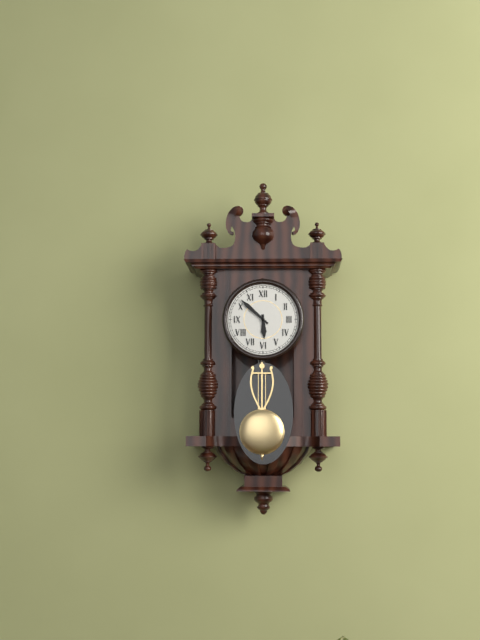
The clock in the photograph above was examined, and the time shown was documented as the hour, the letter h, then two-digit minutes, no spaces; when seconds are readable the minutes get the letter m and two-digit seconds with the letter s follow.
5h52
